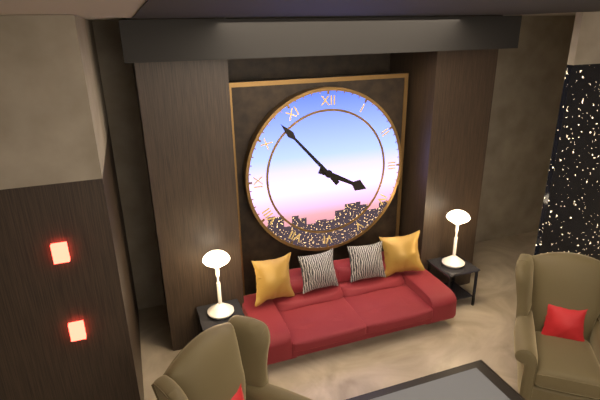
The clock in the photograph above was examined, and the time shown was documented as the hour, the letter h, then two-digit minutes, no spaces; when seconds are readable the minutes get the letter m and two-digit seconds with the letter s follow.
3h53
